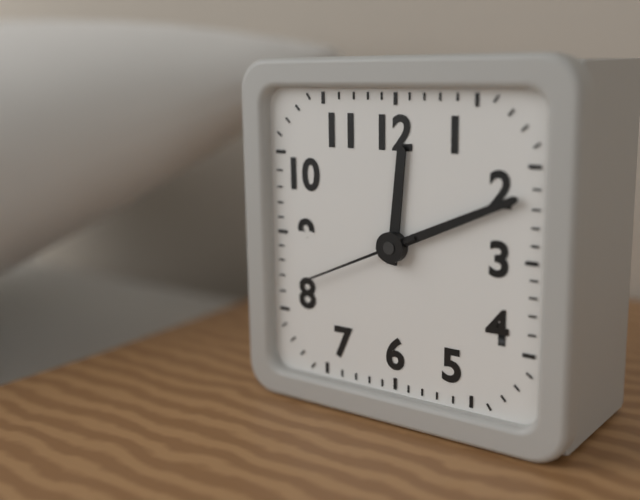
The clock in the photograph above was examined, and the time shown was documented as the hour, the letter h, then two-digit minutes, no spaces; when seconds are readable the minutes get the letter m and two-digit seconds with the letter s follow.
12h11m41s
